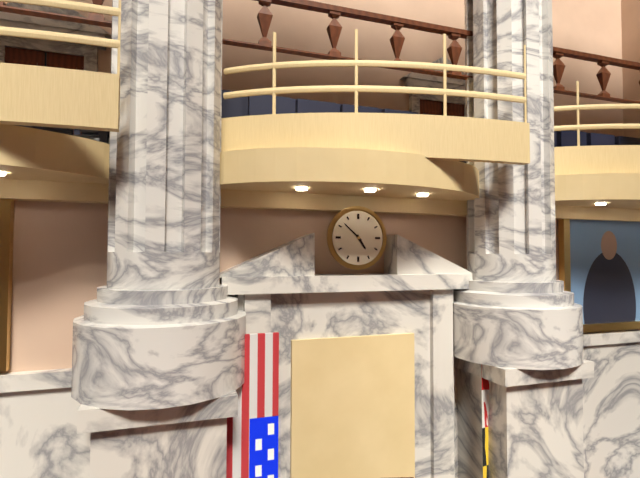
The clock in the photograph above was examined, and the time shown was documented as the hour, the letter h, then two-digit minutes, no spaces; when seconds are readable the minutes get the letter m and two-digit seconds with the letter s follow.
4h52
